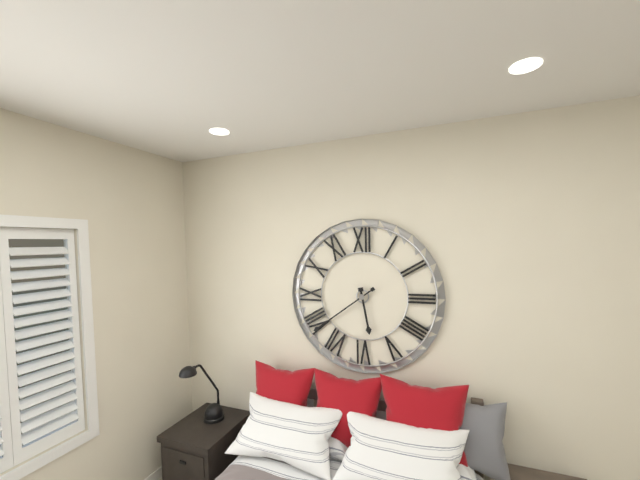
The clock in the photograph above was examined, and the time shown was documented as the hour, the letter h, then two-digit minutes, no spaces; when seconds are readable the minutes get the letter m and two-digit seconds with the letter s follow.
5h39
